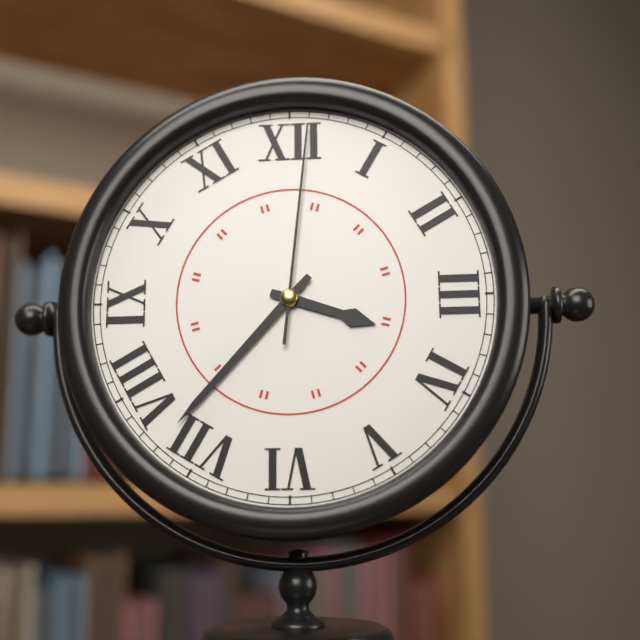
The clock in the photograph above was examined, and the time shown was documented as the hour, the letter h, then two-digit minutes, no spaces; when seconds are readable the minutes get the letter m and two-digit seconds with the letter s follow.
3h37m01s
